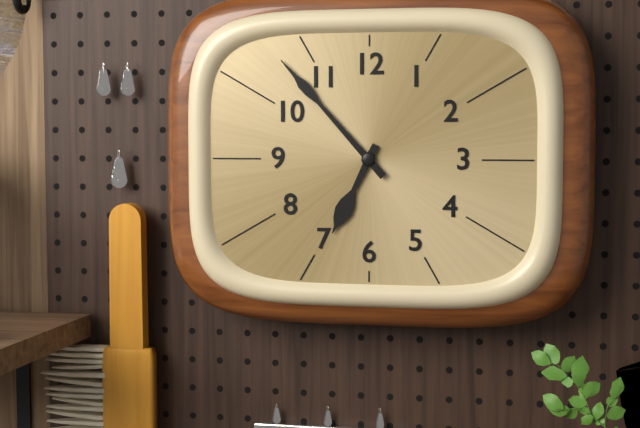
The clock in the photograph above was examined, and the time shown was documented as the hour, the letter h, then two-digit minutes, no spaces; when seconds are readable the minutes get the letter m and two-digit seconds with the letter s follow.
6h53
